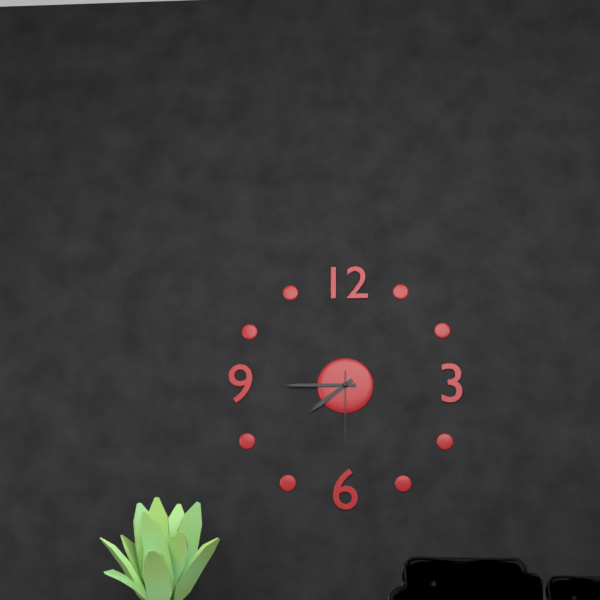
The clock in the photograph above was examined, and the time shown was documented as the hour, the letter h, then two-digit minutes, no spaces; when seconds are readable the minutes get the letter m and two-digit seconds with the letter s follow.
7h45m30s
